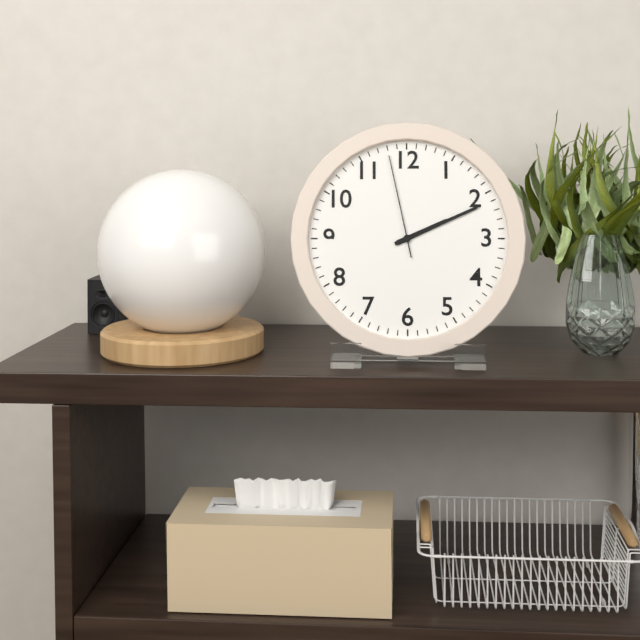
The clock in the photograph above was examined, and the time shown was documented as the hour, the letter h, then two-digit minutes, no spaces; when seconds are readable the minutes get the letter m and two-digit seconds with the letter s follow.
2h11m58s
